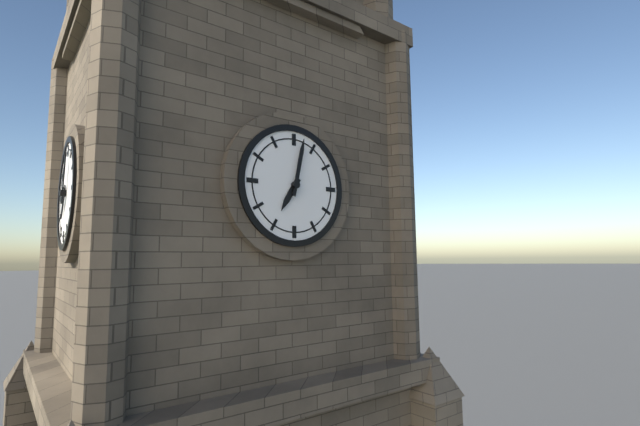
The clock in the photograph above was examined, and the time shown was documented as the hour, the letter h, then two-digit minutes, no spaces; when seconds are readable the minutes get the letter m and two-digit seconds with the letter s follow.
7h02
